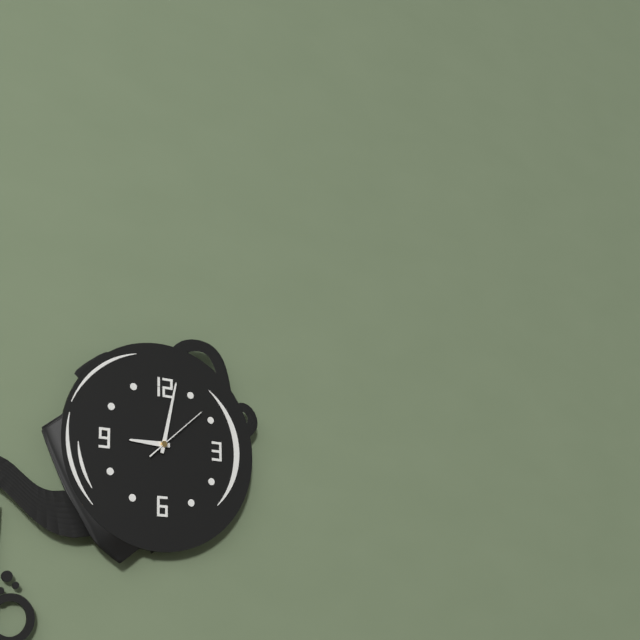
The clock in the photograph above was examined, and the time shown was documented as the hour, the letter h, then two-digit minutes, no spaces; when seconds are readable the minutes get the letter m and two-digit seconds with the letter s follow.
9h02m08s
